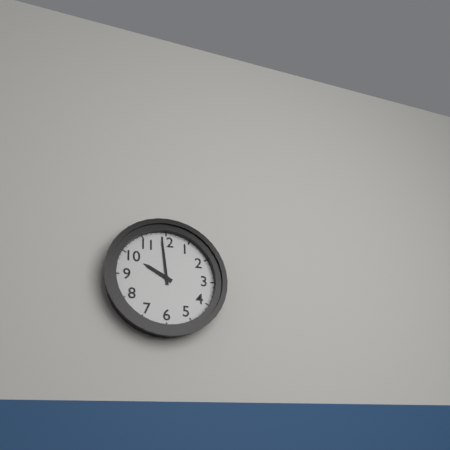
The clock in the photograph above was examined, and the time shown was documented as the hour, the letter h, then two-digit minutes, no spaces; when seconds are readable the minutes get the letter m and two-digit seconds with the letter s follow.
9h59
